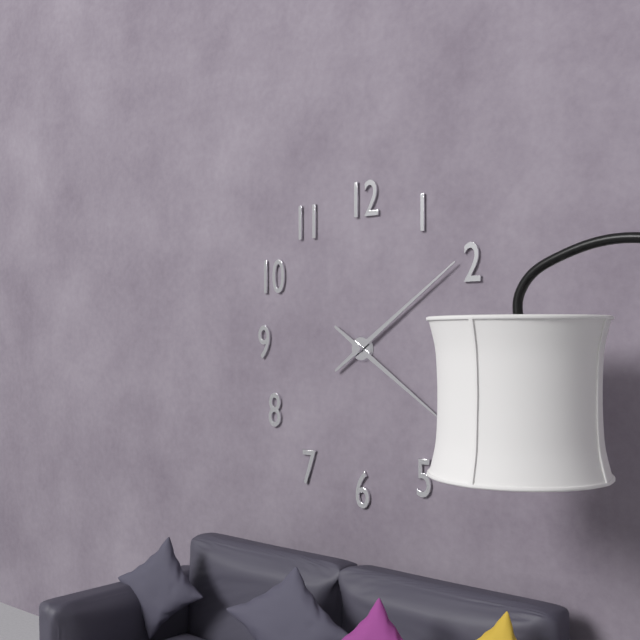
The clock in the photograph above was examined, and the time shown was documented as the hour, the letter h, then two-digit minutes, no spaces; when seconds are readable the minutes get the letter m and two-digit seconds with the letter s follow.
4h09
